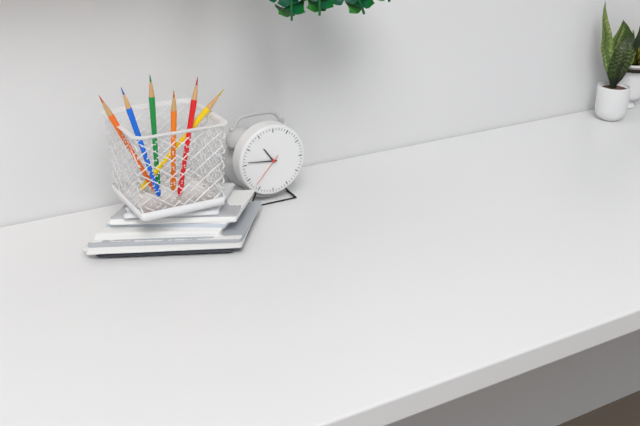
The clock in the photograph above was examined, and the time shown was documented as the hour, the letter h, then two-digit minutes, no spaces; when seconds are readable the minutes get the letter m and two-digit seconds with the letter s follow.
10h46
